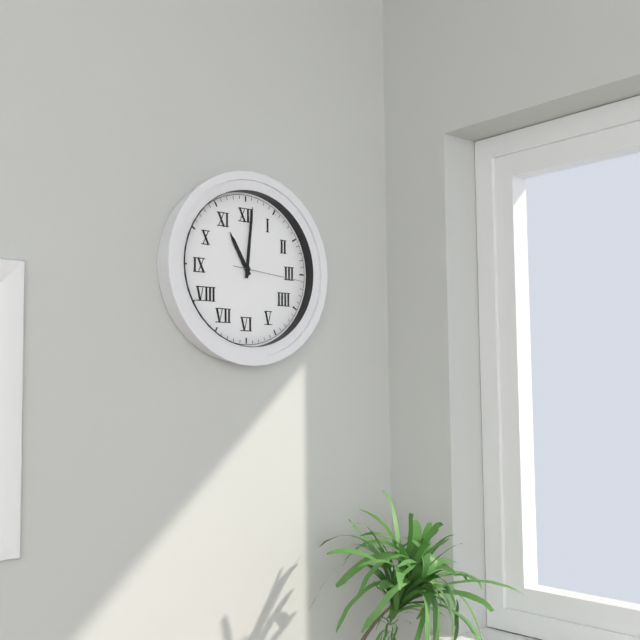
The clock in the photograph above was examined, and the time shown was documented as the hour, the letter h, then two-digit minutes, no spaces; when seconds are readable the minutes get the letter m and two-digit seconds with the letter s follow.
11h01m16s
